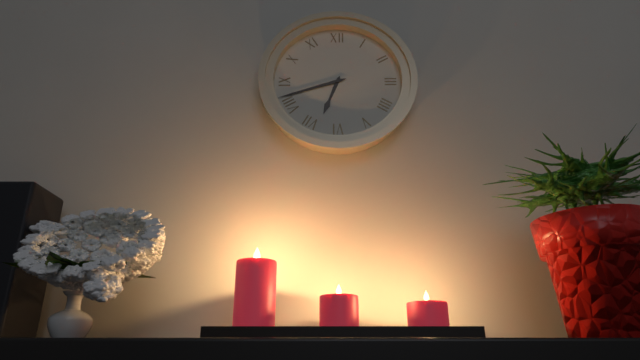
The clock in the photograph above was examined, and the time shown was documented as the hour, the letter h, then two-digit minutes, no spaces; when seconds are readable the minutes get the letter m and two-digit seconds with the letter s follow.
6h42
